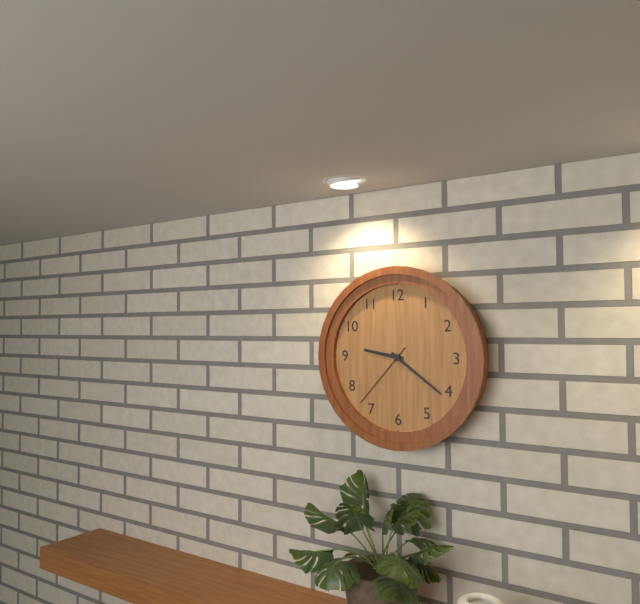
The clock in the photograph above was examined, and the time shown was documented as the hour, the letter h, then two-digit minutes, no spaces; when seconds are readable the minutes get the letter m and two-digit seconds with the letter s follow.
9h21m37s
